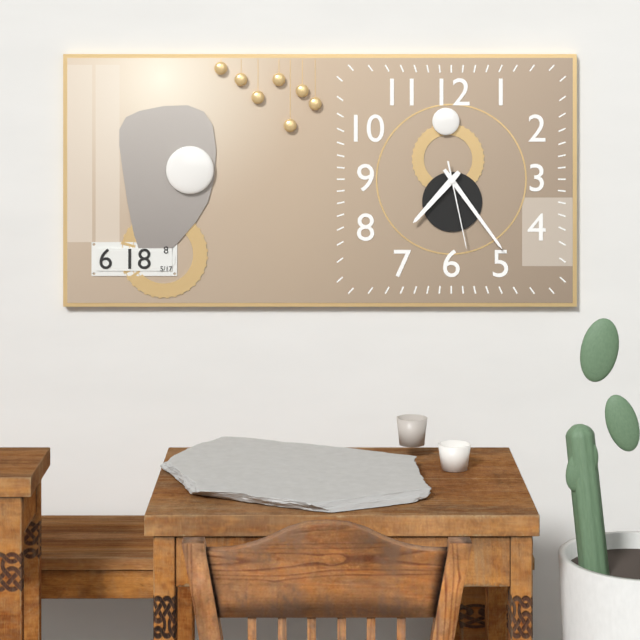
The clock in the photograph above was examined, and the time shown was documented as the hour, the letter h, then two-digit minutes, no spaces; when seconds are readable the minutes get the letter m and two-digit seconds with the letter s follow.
7h24m28s
